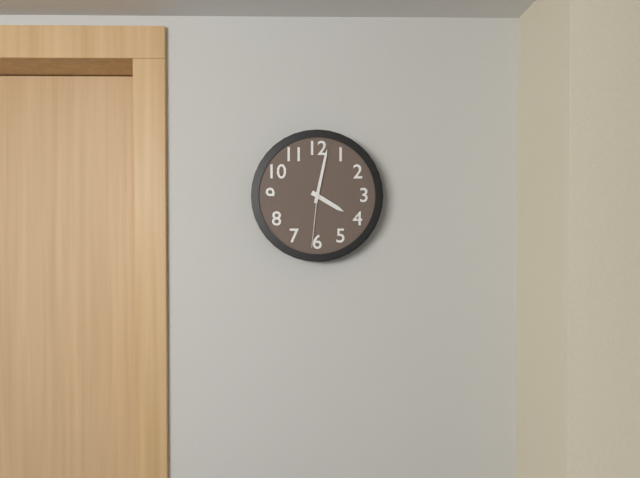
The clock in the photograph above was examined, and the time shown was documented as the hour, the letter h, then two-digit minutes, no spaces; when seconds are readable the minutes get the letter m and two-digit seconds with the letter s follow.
4h02m31s
